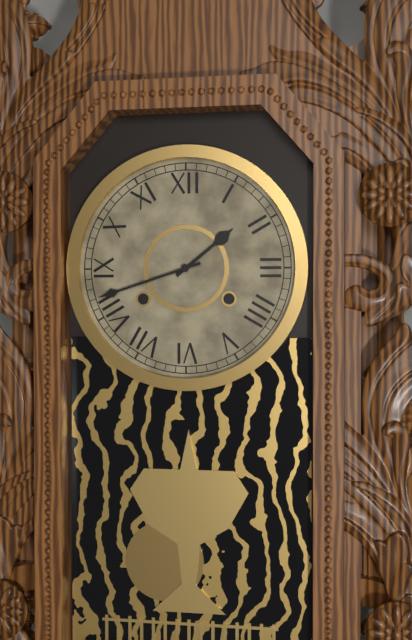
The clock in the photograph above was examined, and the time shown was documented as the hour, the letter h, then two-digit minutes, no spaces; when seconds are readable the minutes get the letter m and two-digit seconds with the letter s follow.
1h42
